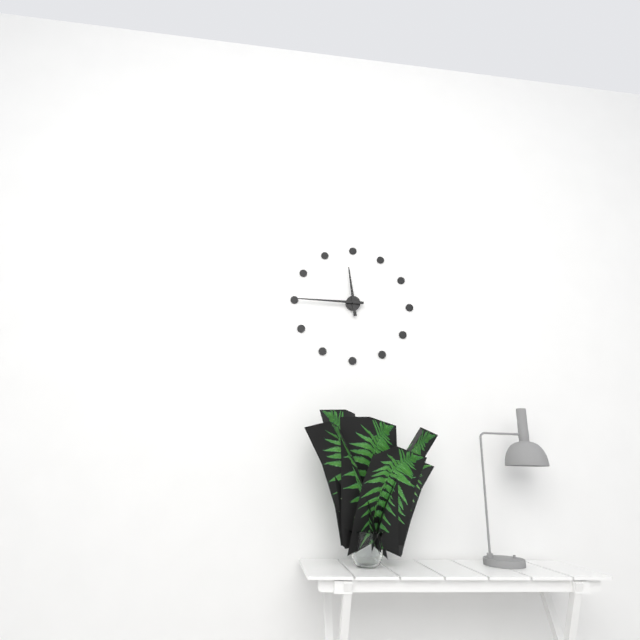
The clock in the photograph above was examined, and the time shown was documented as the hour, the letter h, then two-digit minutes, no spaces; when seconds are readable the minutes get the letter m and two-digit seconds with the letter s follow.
11h45
